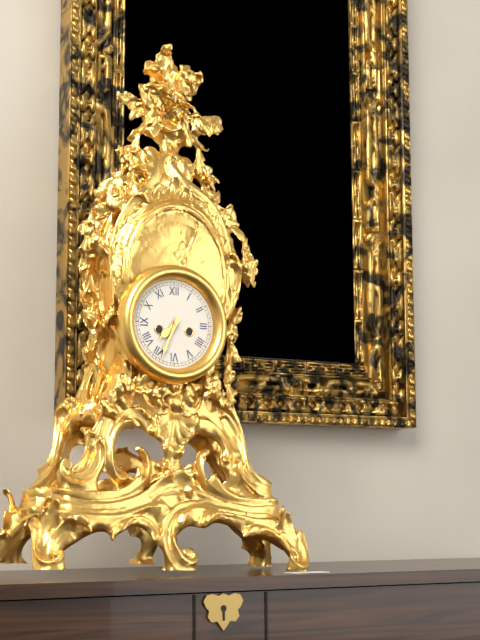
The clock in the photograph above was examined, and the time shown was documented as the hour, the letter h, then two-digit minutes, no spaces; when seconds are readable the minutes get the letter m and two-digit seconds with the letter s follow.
7h34
